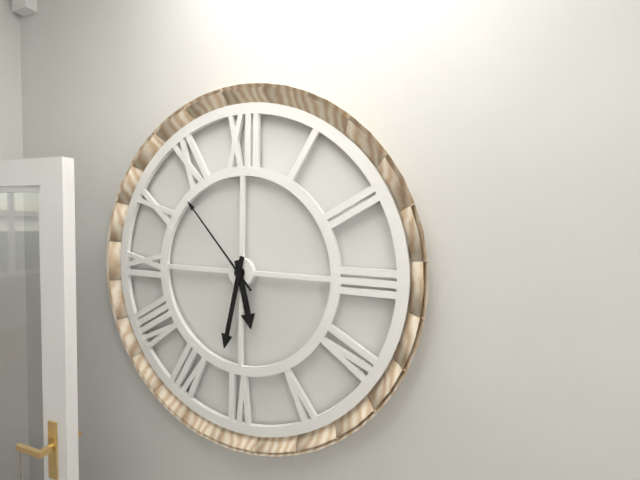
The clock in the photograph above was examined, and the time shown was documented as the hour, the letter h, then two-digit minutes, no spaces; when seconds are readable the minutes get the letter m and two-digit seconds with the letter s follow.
5h32m53s
